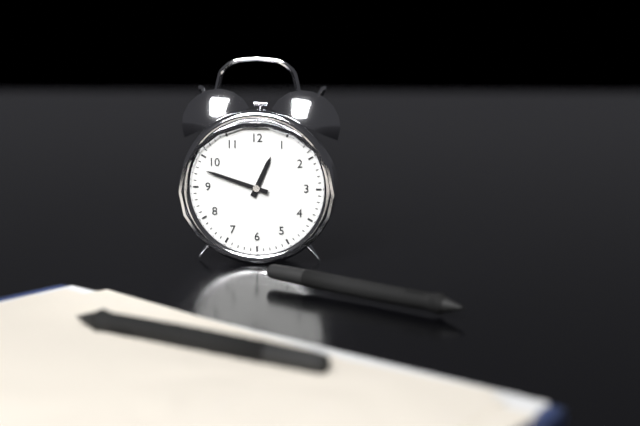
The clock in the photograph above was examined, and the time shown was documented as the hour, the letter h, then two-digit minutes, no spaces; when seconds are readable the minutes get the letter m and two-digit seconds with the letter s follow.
12h48
